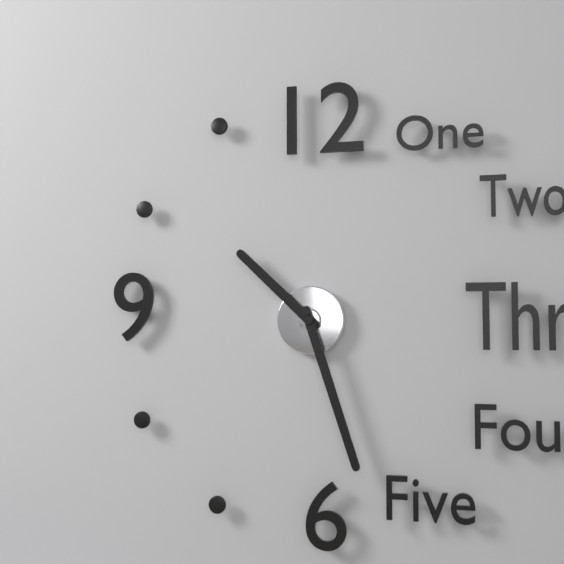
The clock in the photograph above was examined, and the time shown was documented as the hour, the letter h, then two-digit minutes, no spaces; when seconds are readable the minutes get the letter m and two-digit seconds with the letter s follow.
10h27
